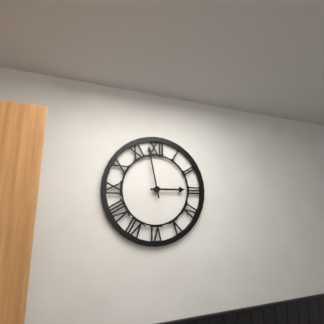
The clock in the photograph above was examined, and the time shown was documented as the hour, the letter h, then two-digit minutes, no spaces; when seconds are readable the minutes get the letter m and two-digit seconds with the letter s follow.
2h58
